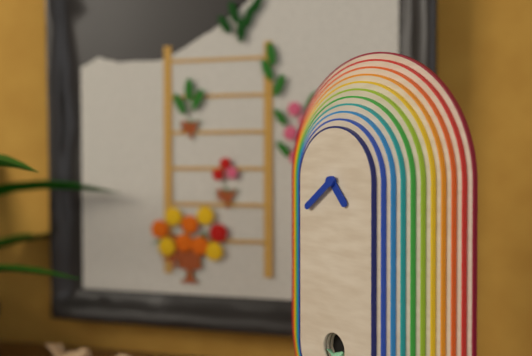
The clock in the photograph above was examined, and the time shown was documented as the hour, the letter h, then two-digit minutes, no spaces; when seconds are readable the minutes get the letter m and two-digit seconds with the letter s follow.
4h39
